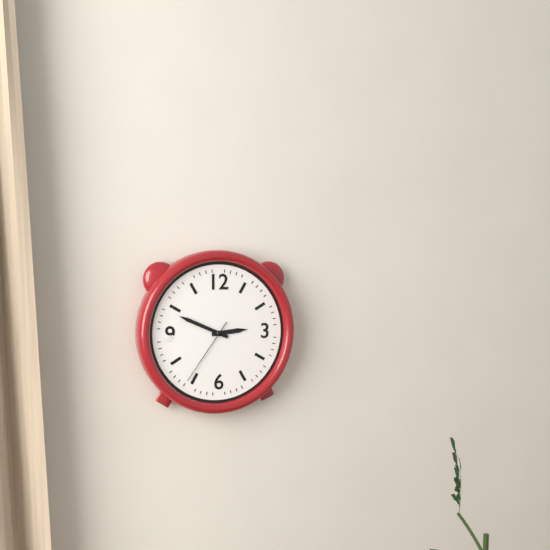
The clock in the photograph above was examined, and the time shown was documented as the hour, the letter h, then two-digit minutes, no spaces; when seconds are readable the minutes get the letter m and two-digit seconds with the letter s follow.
2h49m36s
